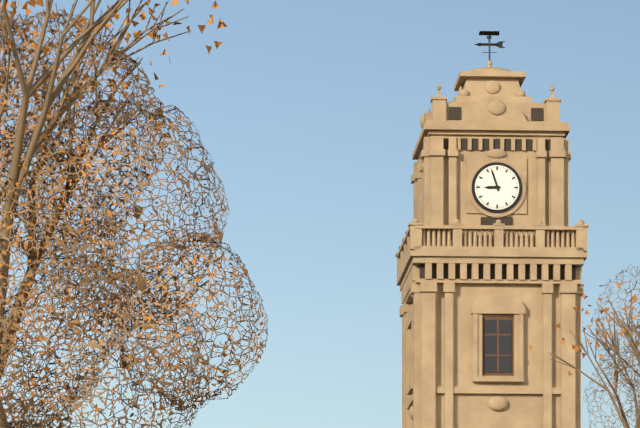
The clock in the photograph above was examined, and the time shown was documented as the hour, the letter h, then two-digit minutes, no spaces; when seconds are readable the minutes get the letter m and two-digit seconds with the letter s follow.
8h57
